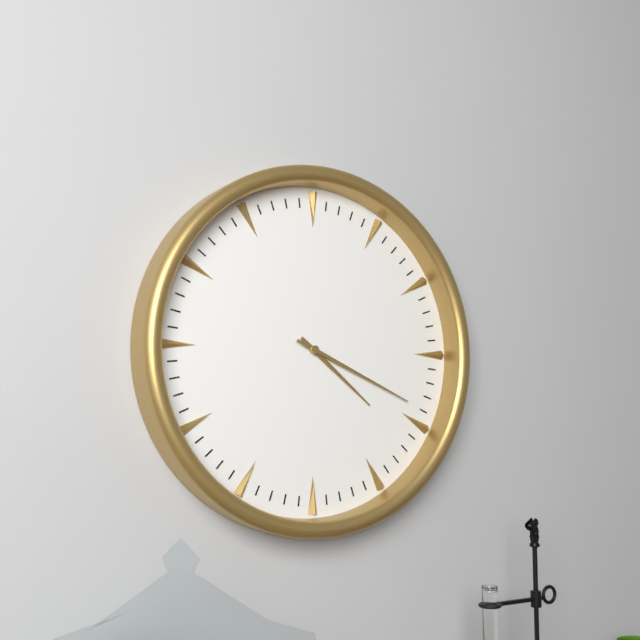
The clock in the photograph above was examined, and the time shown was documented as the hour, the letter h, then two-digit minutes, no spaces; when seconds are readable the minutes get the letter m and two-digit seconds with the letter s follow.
4h19
